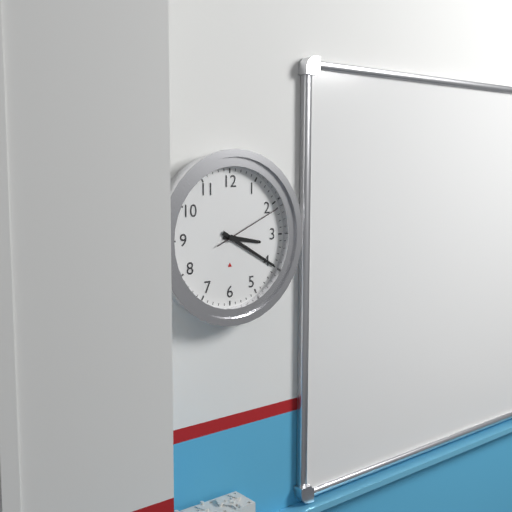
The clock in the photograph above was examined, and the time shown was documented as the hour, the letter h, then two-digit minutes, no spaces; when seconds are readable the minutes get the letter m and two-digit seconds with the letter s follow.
3h20m11s
